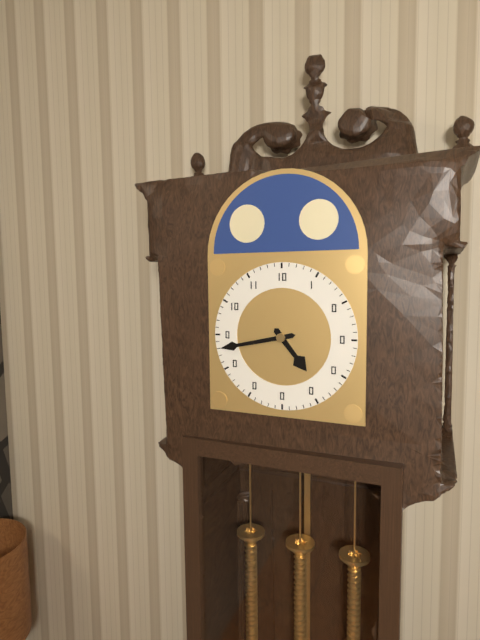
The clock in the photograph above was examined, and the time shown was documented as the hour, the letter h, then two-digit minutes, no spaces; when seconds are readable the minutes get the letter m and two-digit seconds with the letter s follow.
4h43
